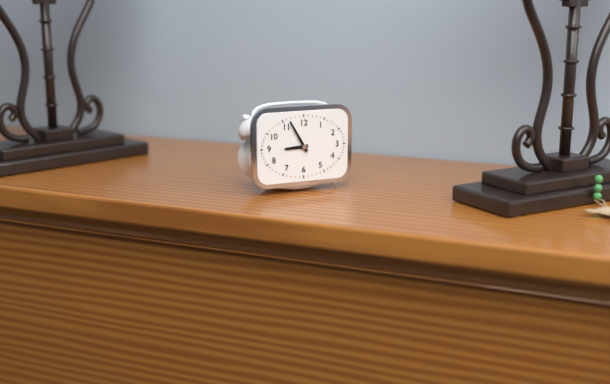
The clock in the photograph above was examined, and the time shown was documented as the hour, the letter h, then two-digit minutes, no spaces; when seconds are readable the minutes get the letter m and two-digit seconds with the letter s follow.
8h55
